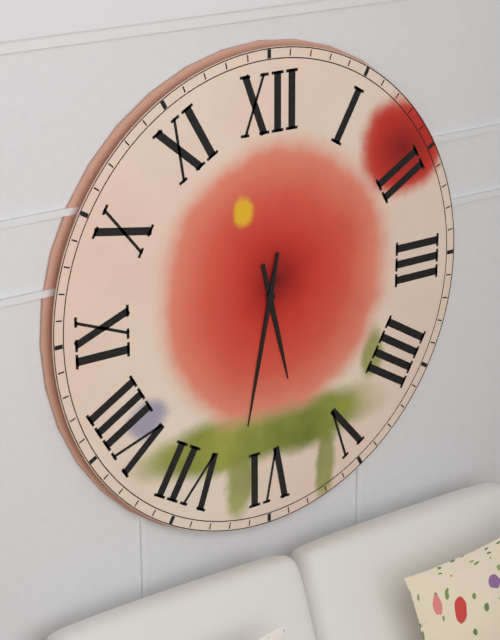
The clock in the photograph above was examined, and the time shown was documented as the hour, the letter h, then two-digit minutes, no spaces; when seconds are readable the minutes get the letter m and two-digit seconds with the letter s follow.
5h32
